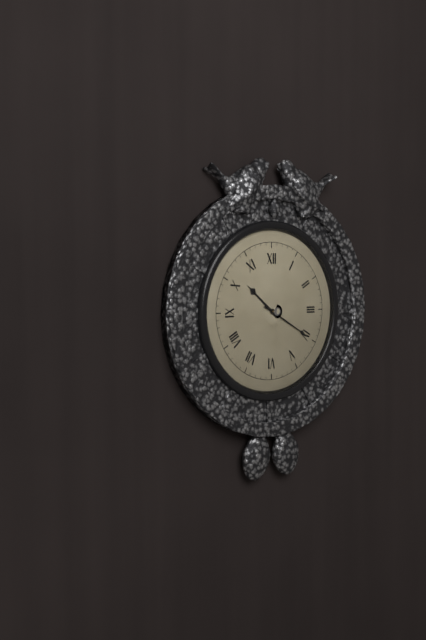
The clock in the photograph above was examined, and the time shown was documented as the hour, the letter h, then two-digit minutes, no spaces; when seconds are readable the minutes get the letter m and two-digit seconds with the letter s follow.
10h20
